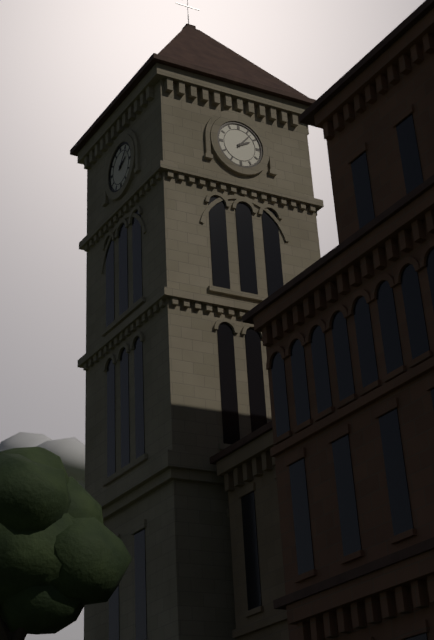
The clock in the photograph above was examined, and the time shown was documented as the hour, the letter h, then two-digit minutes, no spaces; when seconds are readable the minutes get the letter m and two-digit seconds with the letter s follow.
2h07
